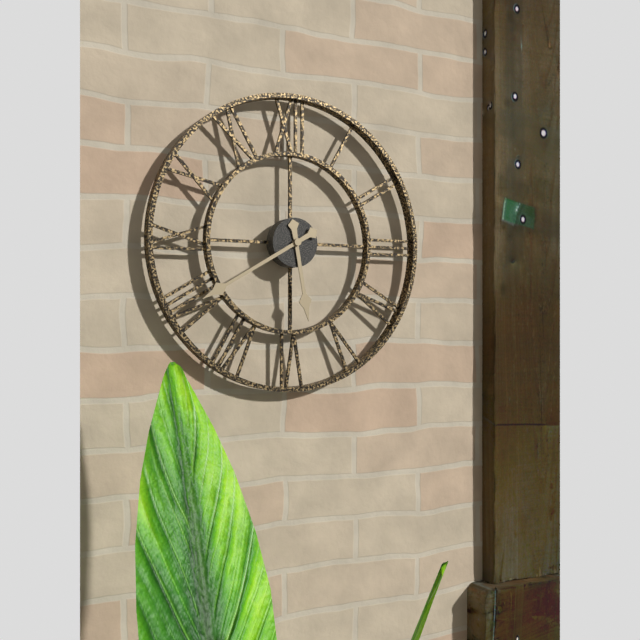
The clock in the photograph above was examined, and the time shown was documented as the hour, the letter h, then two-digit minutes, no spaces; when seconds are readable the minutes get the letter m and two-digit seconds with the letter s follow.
5h40
